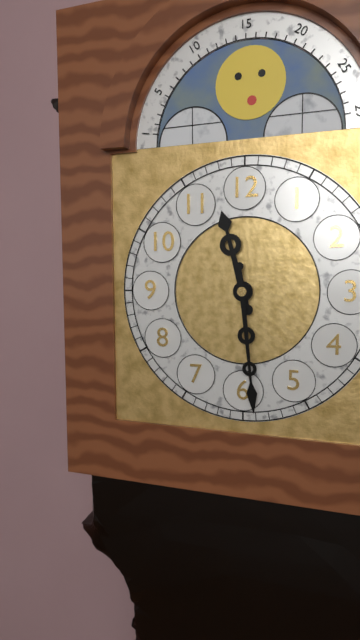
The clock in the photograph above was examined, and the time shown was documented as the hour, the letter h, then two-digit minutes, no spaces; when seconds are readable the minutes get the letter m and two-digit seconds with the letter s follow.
11h29
